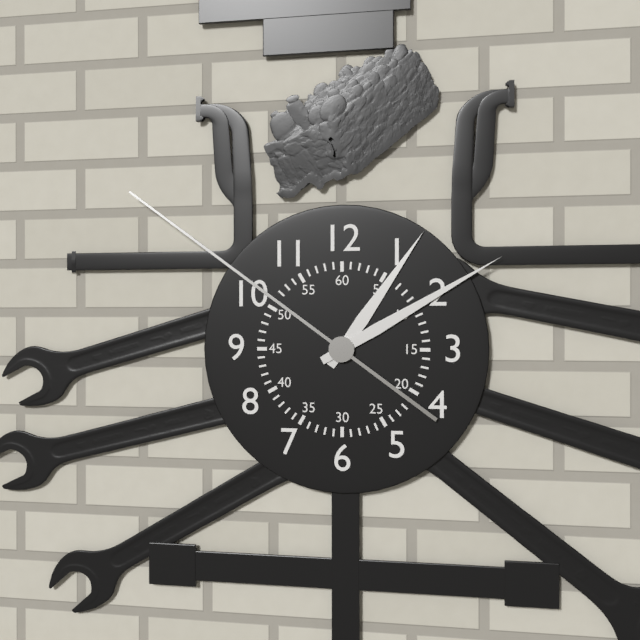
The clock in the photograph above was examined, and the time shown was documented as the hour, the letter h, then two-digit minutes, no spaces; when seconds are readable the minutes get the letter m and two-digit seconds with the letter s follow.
1h10m51s
